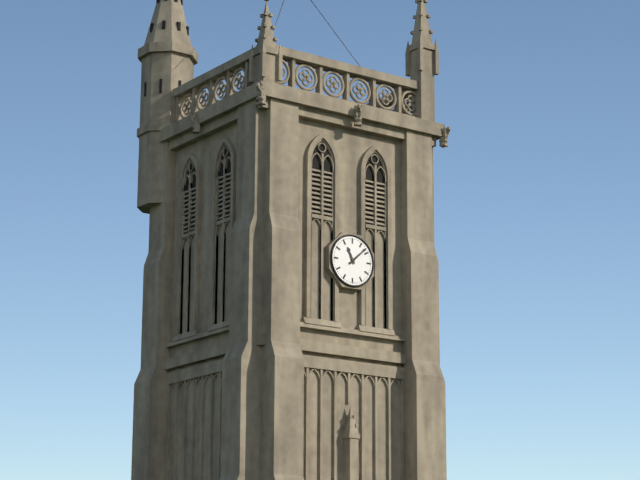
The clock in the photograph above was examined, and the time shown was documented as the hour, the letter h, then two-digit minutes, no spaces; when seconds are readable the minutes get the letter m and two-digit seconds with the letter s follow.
11h08
